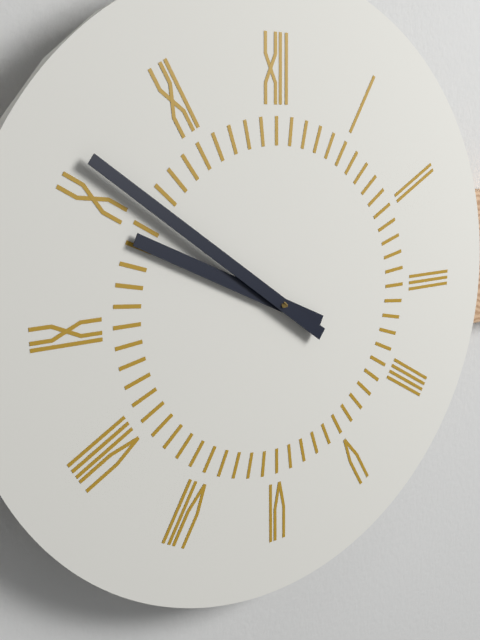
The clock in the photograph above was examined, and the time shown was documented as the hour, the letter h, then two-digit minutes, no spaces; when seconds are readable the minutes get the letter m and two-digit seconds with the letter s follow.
9h51
